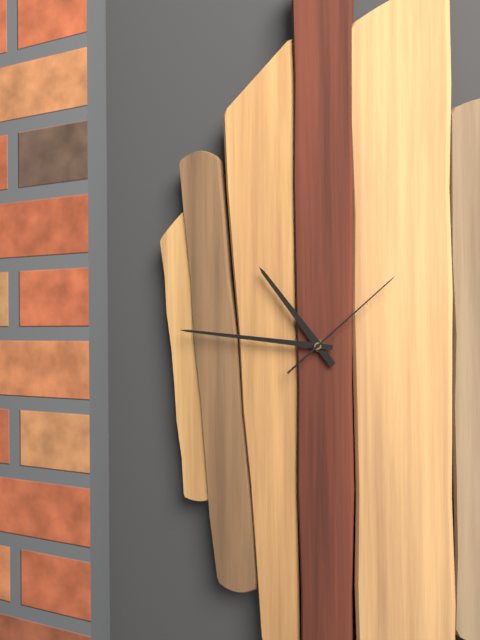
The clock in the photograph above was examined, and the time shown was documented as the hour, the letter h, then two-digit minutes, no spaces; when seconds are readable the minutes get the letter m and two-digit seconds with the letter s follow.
10h46m08s
